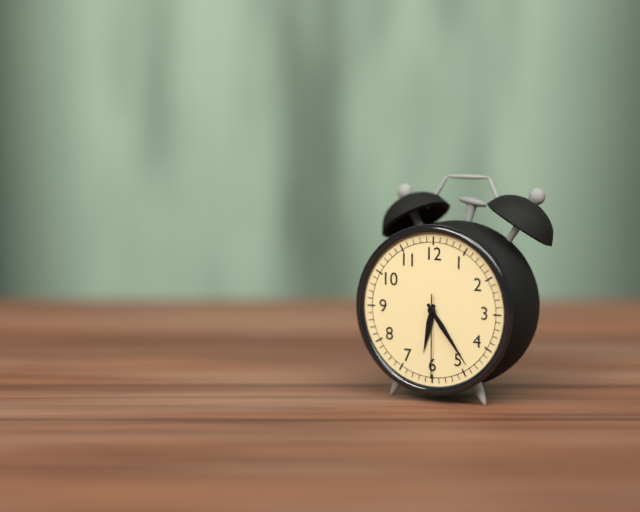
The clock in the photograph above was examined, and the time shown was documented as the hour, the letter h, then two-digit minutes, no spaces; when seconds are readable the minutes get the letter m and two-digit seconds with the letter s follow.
6h24m30s
